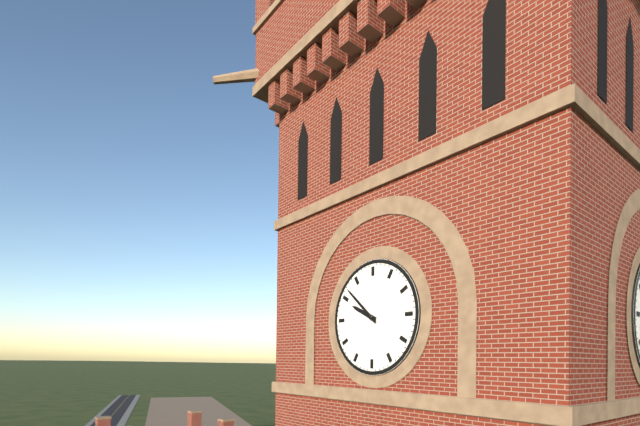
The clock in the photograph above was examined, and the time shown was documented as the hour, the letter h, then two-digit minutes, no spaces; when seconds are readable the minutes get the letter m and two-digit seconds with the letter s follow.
9h52
